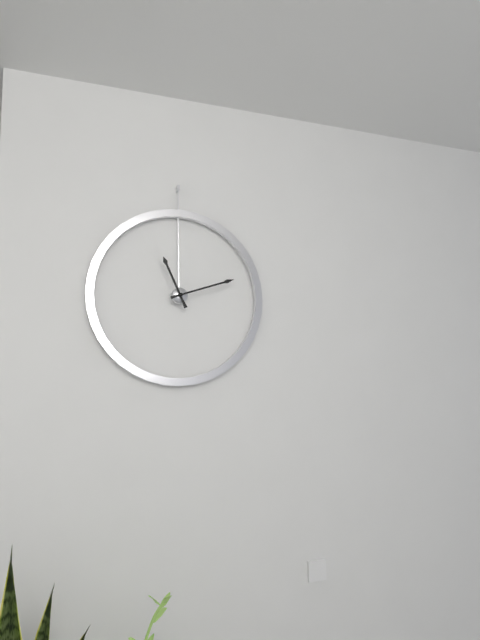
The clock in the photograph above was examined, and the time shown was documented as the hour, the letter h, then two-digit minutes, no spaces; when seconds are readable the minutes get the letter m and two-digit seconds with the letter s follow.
11h12
